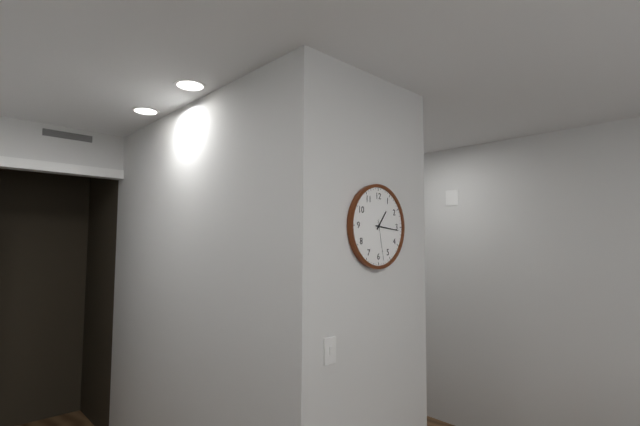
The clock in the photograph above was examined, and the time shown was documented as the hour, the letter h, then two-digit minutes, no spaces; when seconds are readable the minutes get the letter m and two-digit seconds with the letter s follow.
1h16
